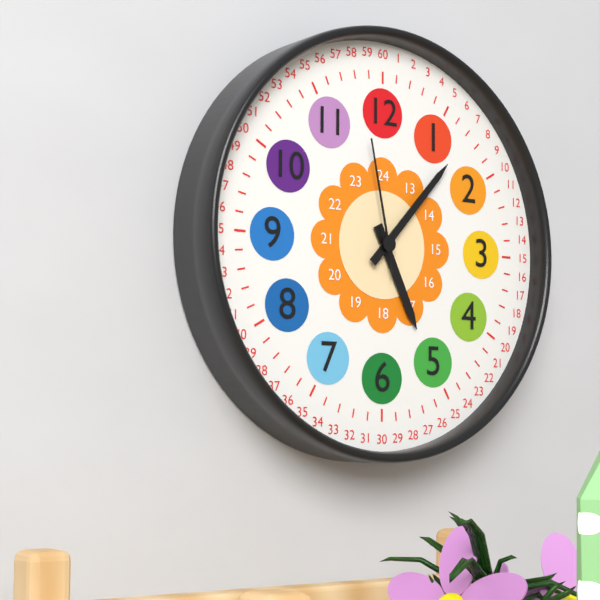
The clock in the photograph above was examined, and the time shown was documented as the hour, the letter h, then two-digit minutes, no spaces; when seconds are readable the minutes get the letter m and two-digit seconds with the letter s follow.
5h07m58s
